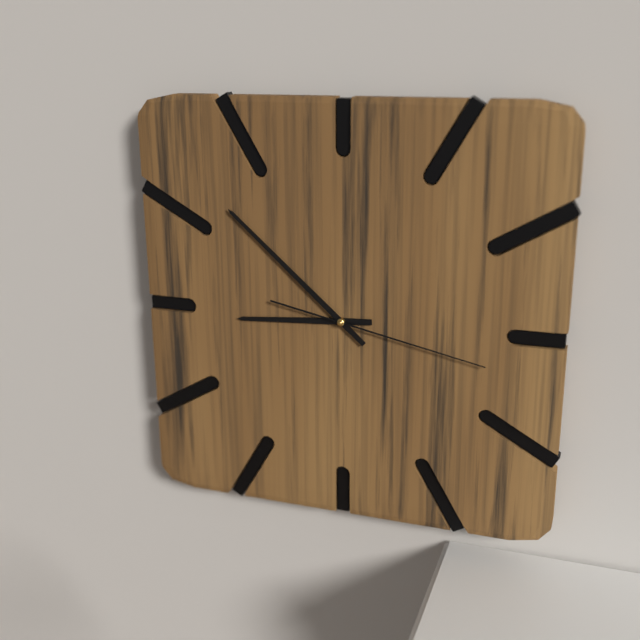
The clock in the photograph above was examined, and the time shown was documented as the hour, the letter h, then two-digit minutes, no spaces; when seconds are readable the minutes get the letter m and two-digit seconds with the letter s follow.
8h52m17s
